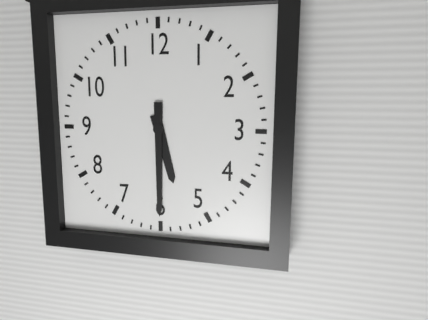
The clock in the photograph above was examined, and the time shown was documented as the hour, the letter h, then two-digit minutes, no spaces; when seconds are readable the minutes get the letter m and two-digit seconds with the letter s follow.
5h30
